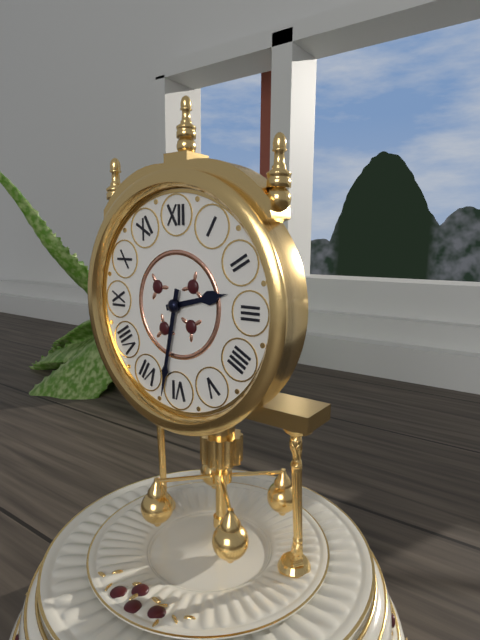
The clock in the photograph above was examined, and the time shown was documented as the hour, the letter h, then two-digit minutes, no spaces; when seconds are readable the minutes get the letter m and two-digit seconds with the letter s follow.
2h32
